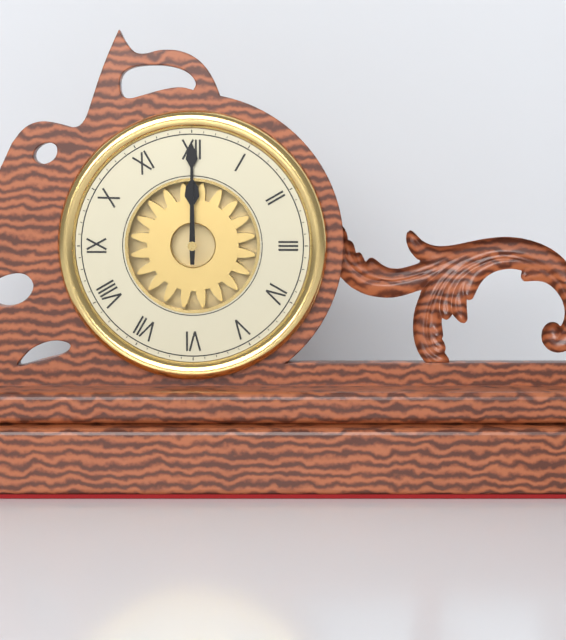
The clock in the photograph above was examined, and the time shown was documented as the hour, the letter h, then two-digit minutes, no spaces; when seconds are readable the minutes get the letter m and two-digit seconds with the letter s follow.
12h00
